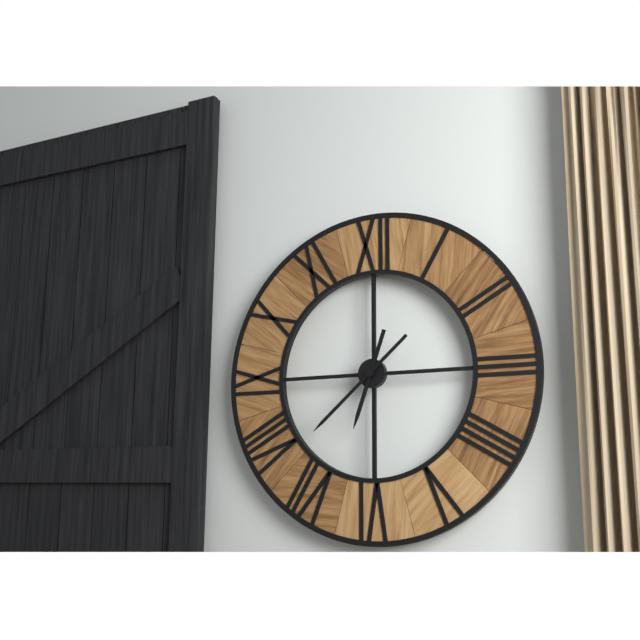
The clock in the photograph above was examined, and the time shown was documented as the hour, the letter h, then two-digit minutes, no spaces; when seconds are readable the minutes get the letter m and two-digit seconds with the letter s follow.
6h38
